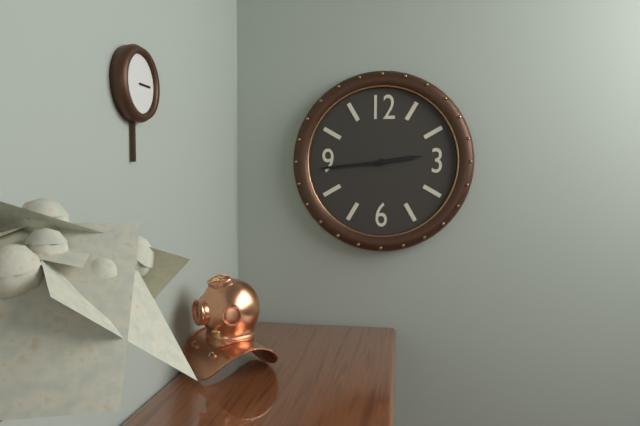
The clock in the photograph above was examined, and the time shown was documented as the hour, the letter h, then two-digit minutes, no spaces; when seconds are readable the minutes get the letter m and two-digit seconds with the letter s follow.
2h44
